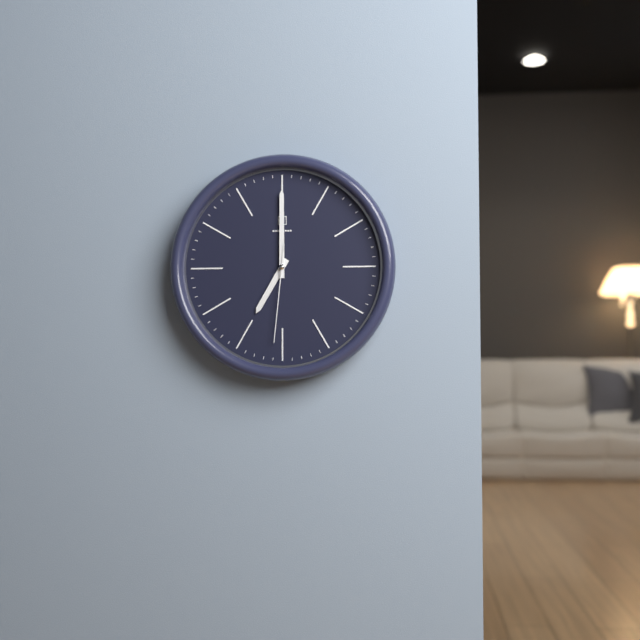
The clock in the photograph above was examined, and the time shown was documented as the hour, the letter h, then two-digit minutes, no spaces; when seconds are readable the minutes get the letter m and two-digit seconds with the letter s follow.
7h00m31s
